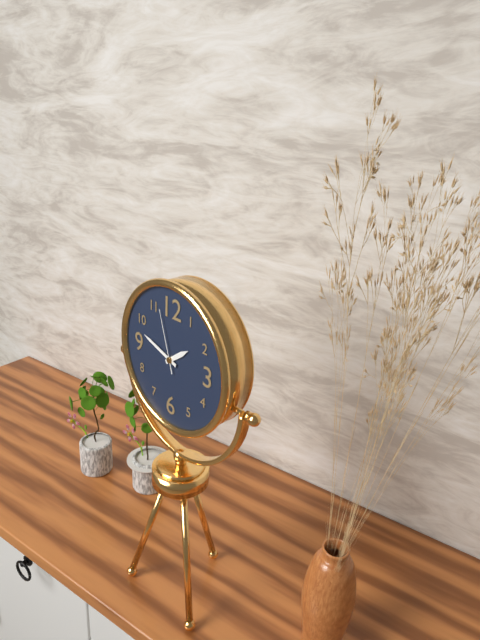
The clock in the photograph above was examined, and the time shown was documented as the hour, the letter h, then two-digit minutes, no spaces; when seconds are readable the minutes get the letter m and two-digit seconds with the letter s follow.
1h48m57s
